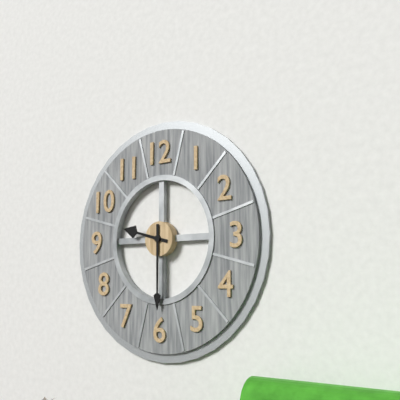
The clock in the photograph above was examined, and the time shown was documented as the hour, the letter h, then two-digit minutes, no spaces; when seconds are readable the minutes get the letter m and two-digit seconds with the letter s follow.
9h30
